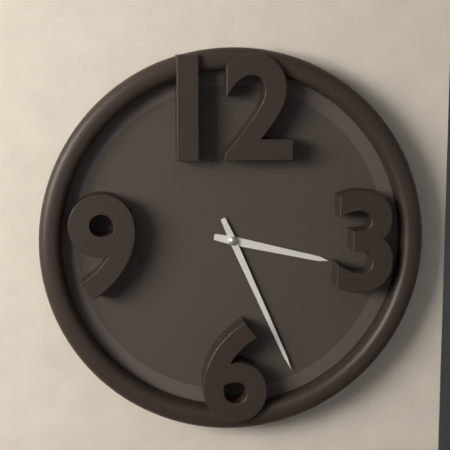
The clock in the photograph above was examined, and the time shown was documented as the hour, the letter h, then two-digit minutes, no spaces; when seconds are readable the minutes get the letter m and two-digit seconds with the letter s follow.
3h26
